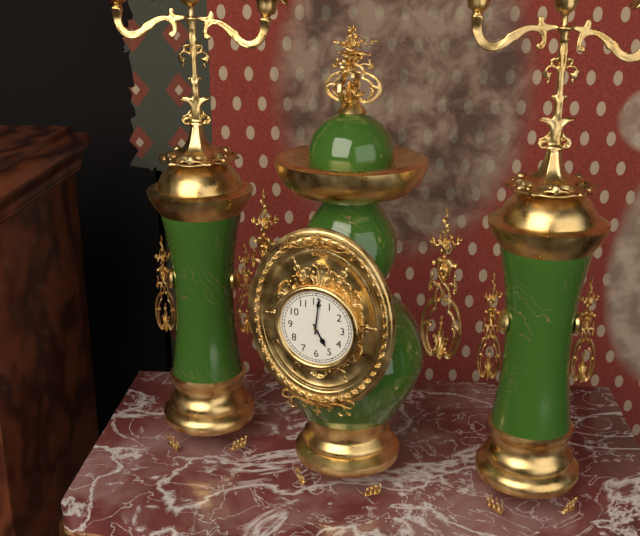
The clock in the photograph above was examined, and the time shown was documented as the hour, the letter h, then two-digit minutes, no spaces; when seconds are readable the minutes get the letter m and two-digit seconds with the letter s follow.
5h01
